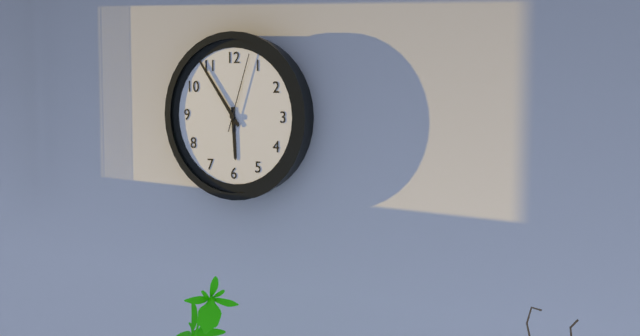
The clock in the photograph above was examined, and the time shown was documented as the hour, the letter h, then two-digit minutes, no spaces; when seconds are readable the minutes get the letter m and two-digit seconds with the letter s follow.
5h54m03s
